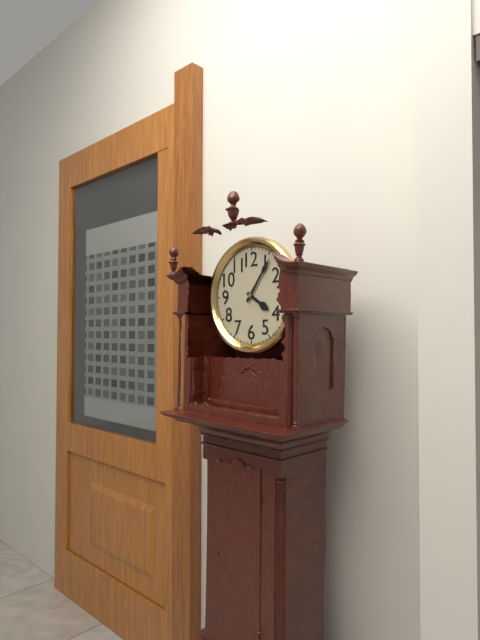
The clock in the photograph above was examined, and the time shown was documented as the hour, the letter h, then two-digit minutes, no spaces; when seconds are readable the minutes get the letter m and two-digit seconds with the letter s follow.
4h06
